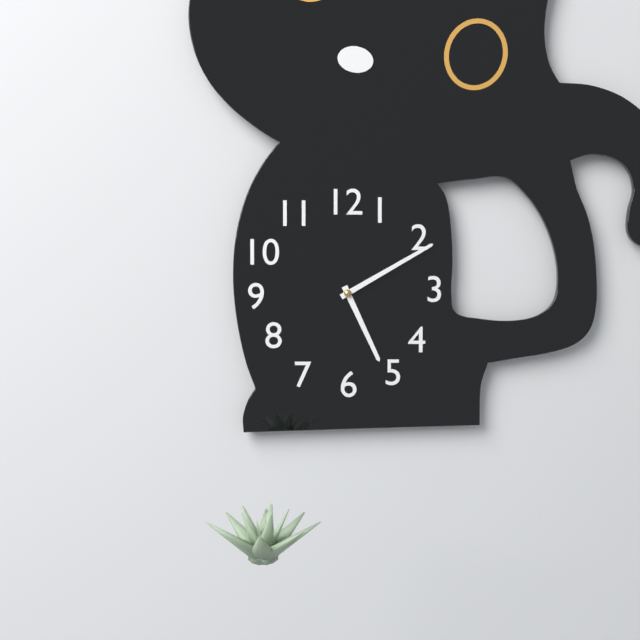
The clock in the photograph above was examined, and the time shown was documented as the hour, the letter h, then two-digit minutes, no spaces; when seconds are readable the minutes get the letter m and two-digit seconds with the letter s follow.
5h10
